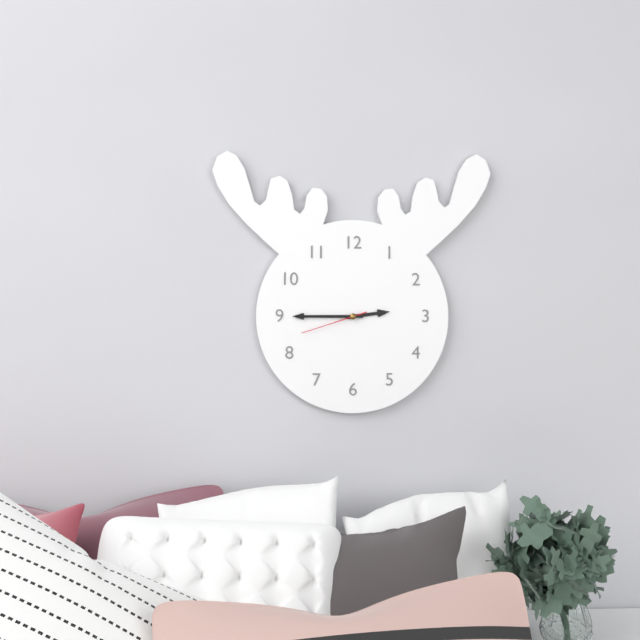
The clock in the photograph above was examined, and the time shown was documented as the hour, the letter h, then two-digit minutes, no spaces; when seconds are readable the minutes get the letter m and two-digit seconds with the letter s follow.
2h45m42s
